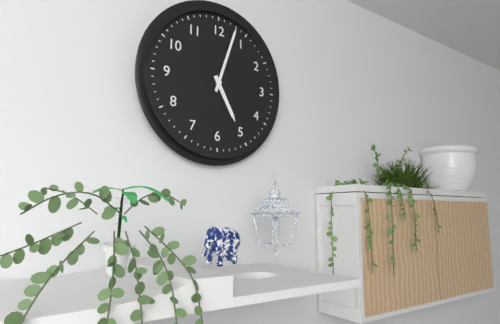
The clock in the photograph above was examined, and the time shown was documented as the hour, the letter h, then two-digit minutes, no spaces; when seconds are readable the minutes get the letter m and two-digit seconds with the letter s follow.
5h03
